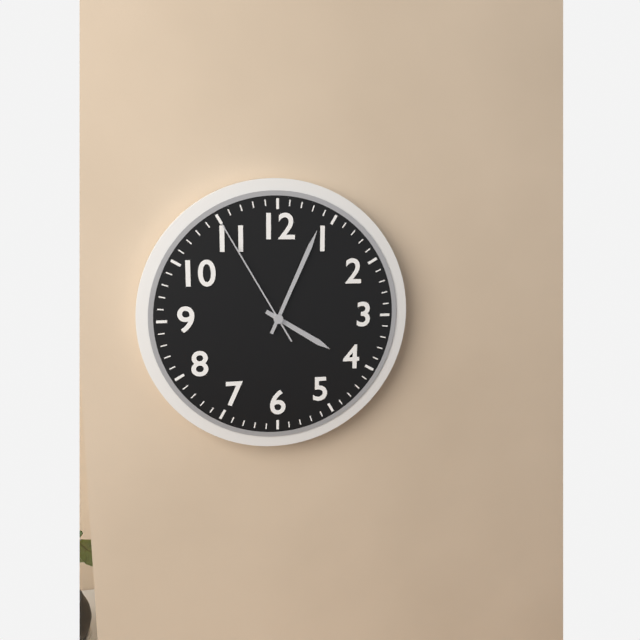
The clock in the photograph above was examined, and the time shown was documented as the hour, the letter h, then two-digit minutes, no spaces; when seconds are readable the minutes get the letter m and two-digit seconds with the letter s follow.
4h04m55s
